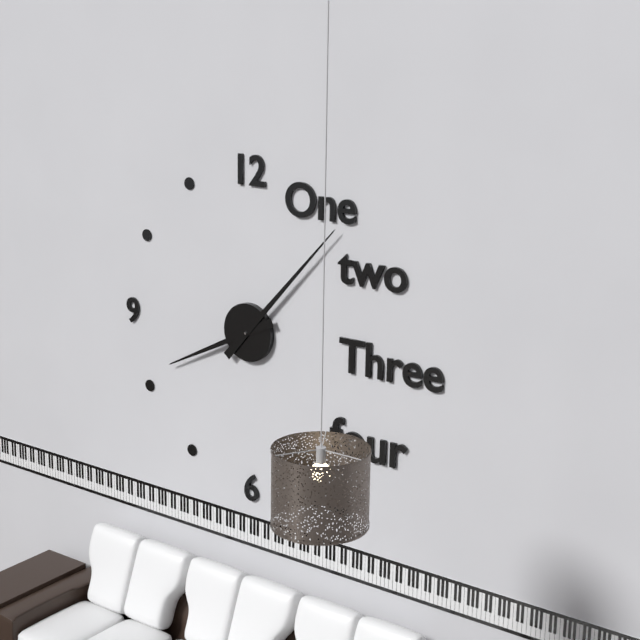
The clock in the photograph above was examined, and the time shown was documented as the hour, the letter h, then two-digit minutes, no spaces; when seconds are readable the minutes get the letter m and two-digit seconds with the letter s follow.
8h07
